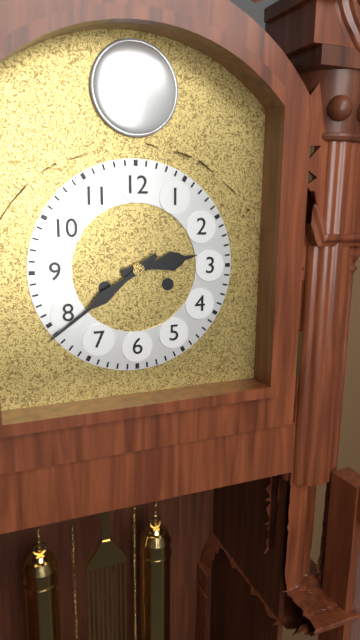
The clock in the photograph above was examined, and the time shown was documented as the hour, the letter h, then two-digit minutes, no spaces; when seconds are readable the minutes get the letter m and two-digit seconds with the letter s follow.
2h39
